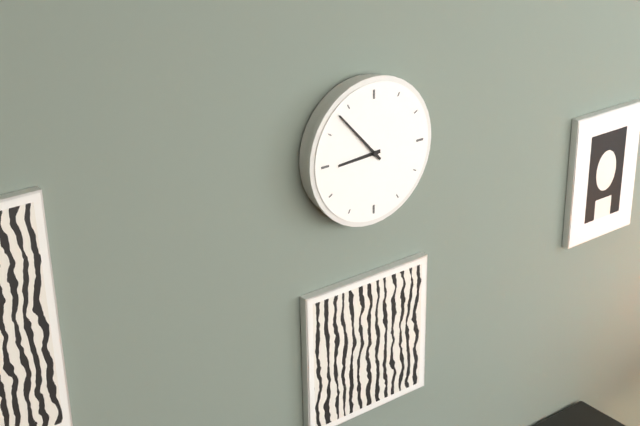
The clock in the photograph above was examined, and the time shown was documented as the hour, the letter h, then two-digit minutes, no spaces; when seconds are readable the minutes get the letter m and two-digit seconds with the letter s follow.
8h53
